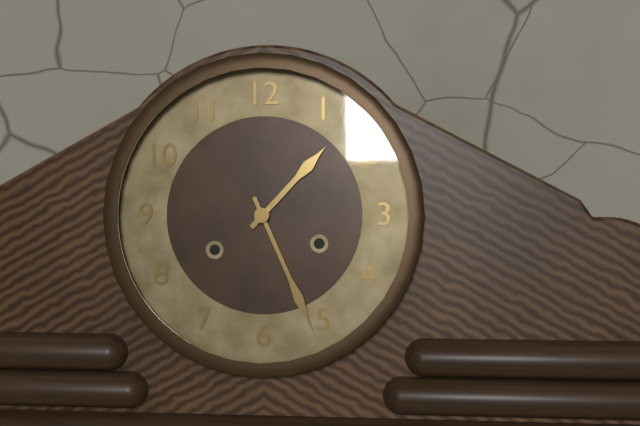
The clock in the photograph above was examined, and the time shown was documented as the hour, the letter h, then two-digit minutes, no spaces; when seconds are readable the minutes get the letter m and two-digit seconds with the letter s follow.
1h26
